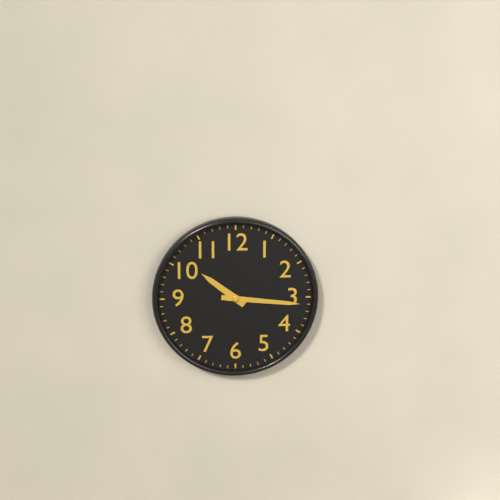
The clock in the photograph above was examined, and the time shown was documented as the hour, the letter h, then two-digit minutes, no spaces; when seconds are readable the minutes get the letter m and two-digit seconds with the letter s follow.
10h16
